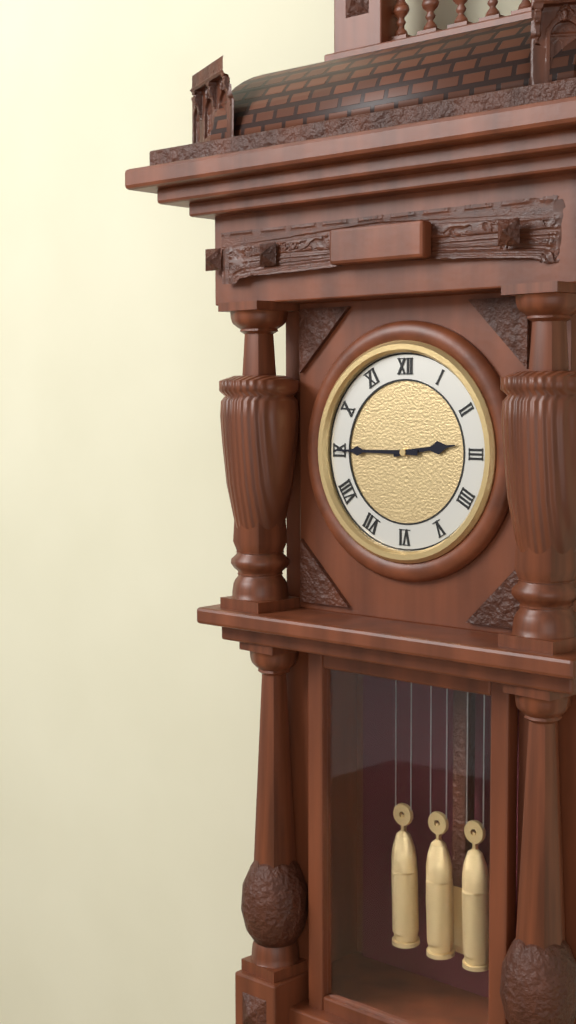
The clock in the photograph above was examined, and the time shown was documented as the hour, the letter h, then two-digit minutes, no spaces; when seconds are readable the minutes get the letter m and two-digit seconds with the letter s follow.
2h45
